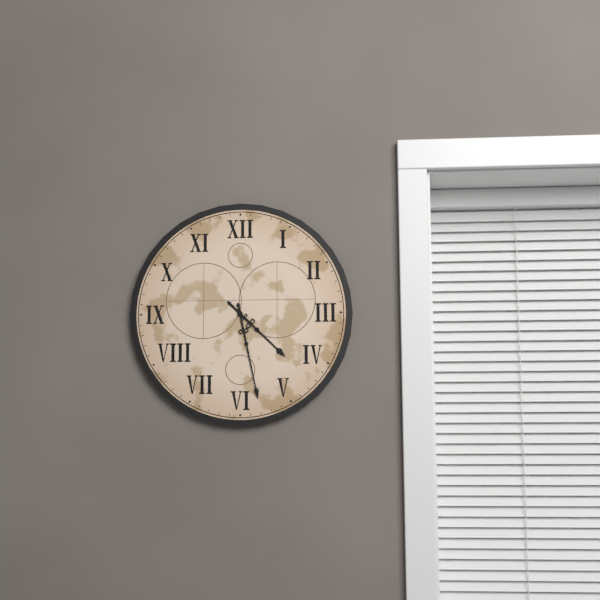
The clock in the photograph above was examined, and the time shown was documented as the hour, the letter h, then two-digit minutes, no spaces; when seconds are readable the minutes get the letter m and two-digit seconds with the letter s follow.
4h28
